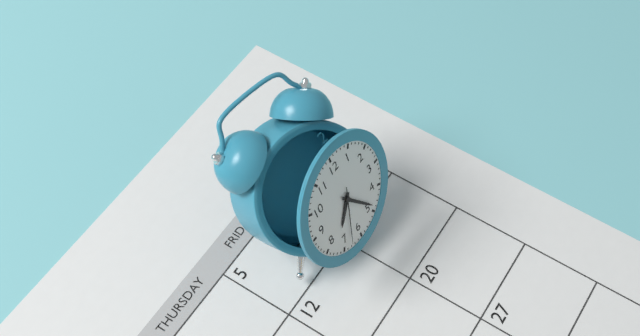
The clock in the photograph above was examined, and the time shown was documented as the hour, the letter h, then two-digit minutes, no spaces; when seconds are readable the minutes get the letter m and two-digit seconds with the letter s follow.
7h24m33s
